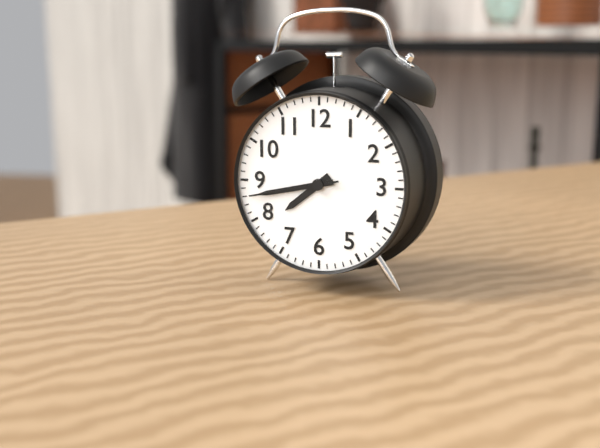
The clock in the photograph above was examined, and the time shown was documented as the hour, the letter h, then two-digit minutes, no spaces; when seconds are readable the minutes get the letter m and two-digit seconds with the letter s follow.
7h43m43s
